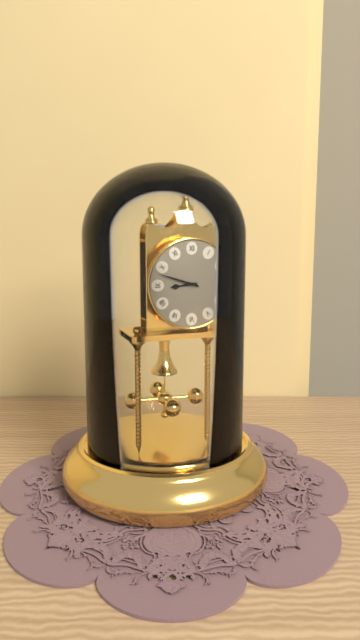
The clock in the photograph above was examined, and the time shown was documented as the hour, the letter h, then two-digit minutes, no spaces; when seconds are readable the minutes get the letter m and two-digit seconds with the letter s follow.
8h48
